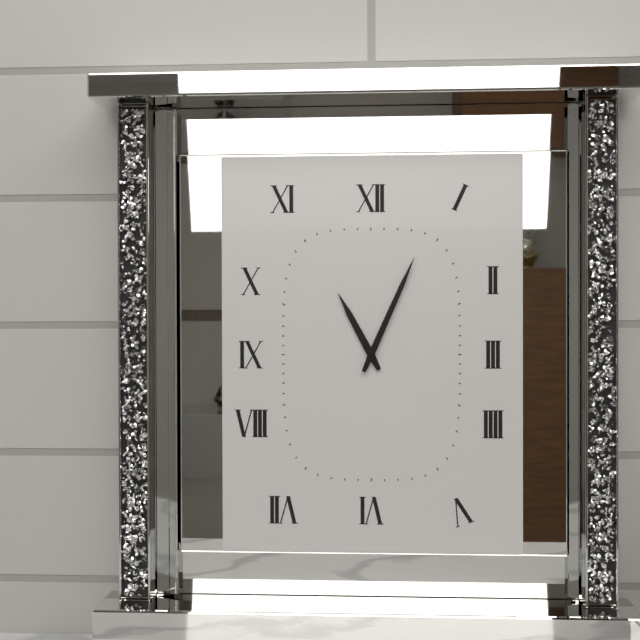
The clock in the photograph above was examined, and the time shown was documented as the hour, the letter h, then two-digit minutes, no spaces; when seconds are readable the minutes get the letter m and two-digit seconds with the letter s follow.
11h04
